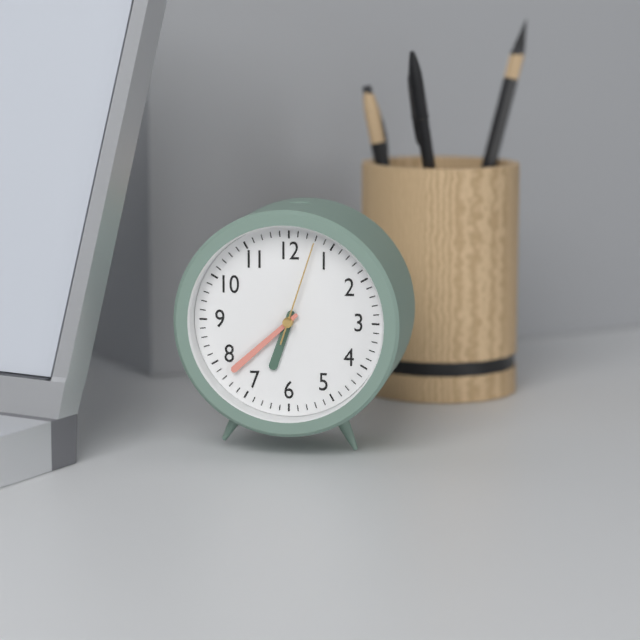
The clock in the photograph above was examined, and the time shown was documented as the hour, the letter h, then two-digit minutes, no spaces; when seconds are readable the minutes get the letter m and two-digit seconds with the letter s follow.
6h38m03s
